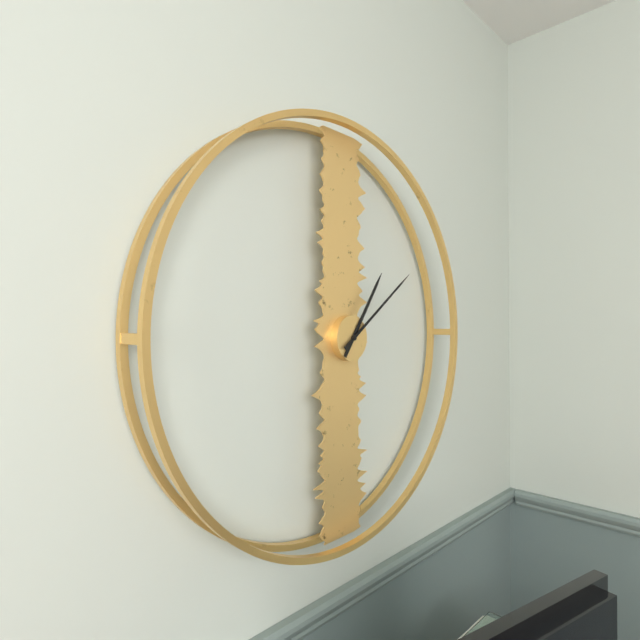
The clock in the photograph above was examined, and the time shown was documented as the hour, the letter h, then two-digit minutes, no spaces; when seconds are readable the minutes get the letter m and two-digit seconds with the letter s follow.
1h09
